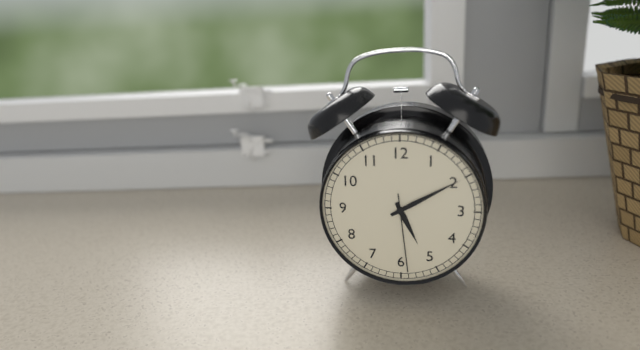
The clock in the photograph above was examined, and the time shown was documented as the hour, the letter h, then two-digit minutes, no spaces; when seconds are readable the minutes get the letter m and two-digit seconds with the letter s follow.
5h10m29s
